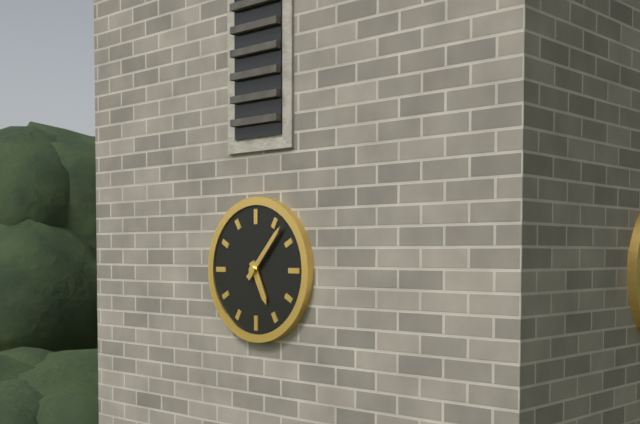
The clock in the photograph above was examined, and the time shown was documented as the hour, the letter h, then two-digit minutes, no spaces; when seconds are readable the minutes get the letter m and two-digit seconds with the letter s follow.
5h07
